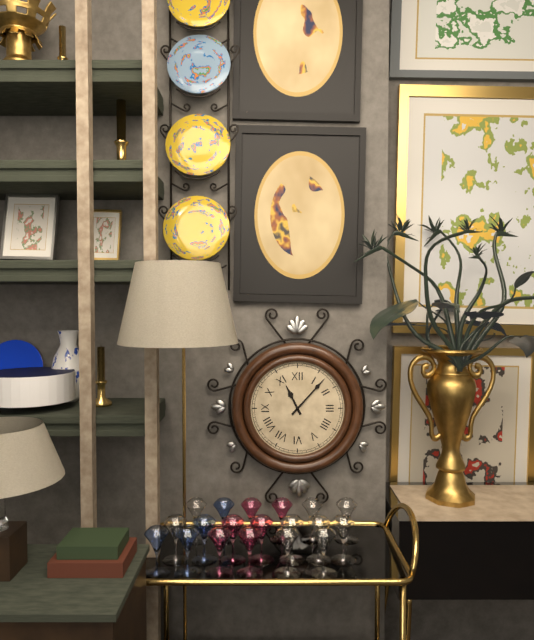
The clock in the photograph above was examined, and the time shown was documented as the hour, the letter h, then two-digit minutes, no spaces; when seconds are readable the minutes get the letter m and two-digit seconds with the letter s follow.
11h07
